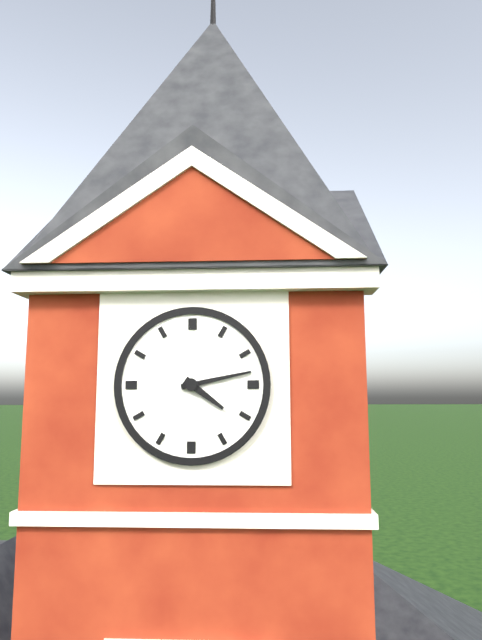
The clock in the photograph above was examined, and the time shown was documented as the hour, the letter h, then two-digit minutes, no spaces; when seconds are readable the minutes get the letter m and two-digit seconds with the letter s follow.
4h13
